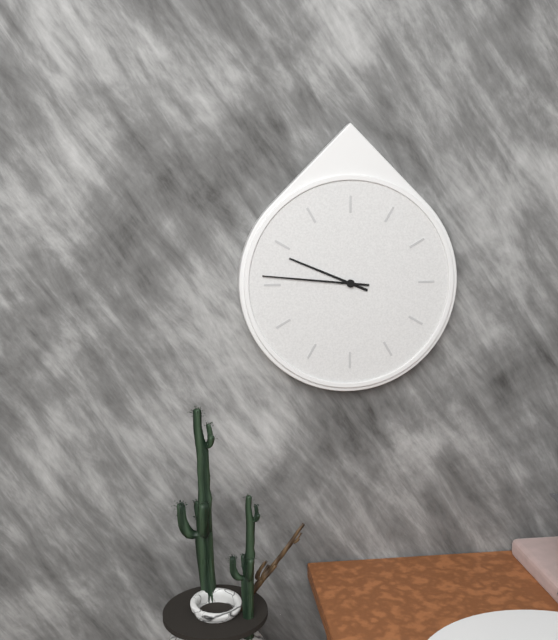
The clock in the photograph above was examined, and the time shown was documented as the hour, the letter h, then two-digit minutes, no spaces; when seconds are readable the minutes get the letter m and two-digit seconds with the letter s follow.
9h46
